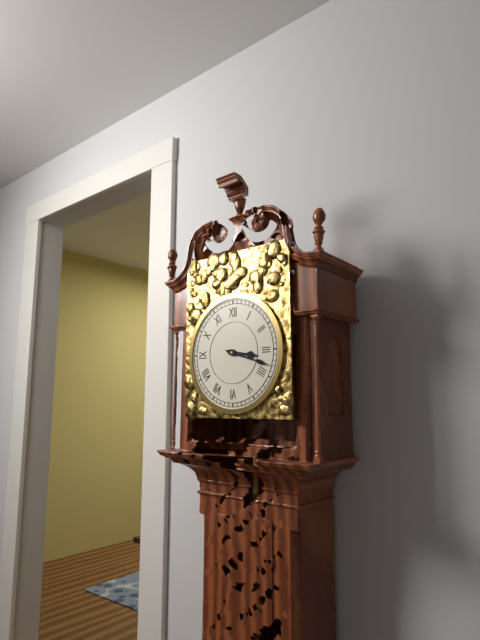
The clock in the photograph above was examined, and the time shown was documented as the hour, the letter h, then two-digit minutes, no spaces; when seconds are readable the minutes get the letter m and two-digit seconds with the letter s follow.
3h18
